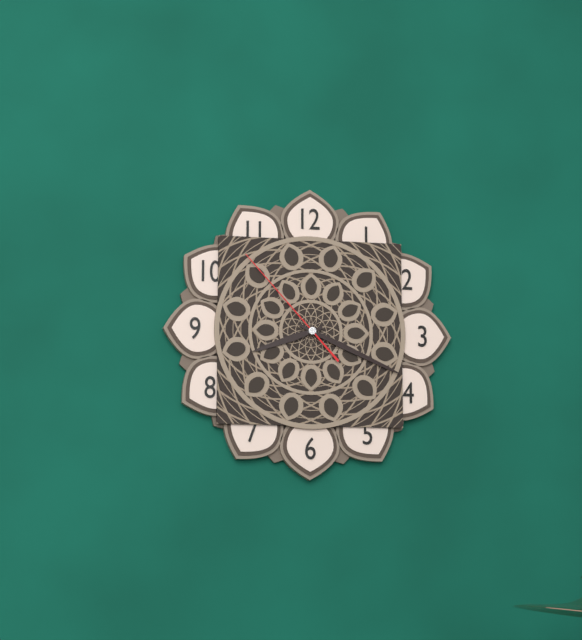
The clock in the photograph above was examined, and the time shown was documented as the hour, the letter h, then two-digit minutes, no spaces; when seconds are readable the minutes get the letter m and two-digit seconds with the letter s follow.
8h19m53s
